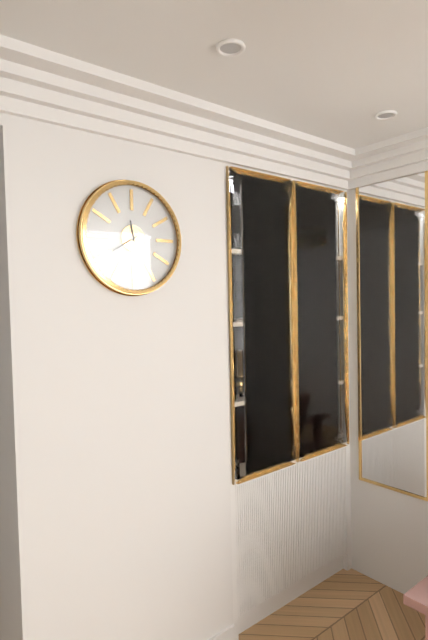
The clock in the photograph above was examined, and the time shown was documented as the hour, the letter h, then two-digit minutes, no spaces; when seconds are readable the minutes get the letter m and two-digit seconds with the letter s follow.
11h40
